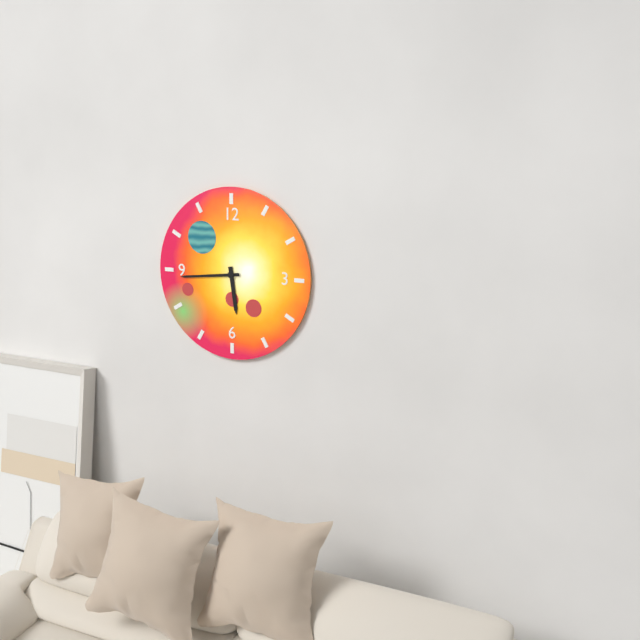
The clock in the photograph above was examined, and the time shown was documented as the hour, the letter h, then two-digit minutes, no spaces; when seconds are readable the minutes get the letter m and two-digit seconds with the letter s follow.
5h44
